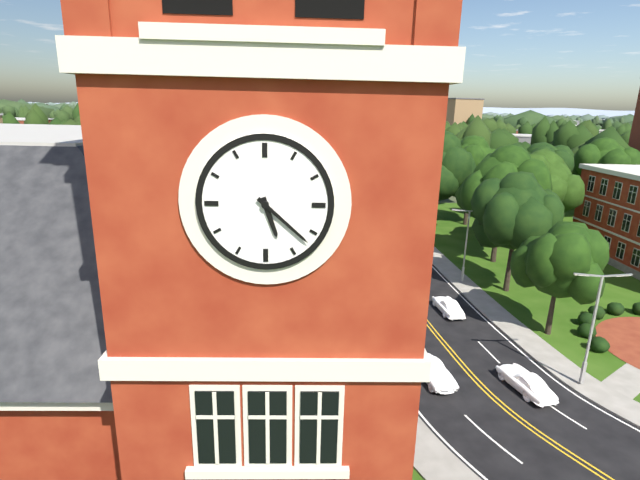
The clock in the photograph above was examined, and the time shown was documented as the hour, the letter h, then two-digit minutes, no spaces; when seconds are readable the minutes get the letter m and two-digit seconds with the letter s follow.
5h22
